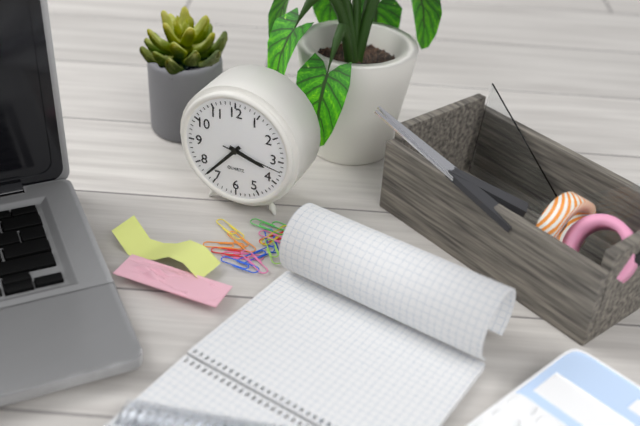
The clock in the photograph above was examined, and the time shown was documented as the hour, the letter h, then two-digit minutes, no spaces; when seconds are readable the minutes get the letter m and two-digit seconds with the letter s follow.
3h37m17s
